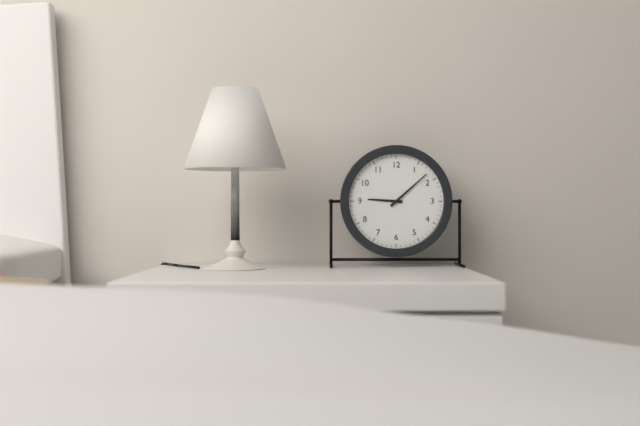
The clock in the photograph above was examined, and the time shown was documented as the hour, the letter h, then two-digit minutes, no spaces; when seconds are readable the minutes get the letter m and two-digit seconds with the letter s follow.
9h08
